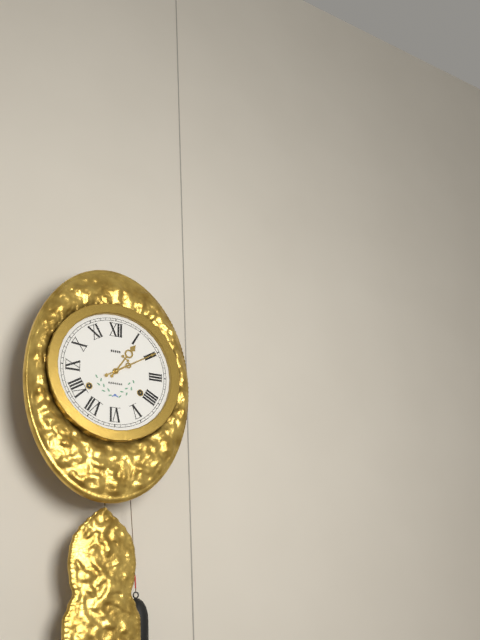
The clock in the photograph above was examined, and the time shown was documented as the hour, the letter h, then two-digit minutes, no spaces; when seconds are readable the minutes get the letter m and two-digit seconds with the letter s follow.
1h10
